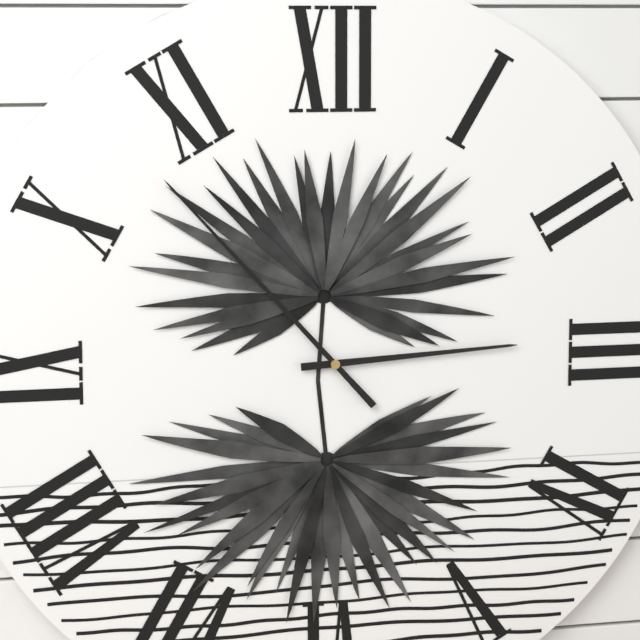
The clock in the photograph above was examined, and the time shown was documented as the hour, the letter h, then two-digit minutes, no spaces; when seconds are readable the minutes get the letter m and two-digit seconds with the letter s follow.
2h53
